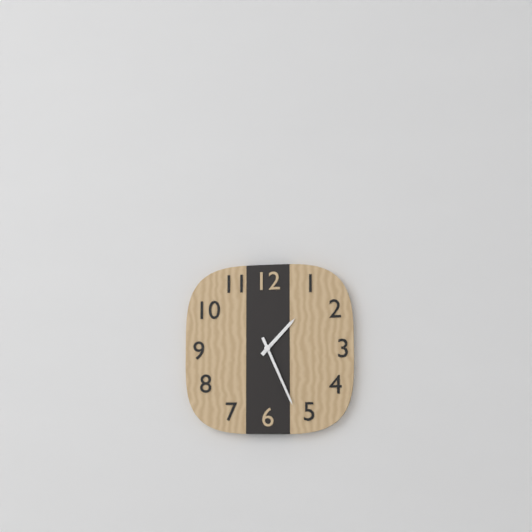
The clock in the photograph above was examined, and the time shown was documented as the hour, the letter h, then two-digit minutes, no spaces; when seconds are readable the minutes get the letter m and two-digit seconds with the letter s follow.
1h26
